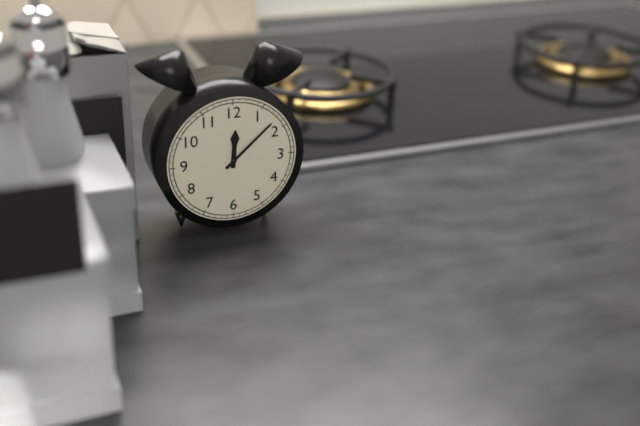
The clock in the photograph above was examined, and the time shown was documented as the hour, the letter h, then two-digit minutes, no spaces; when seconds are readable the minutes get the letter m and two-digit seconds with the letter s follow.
12h08
